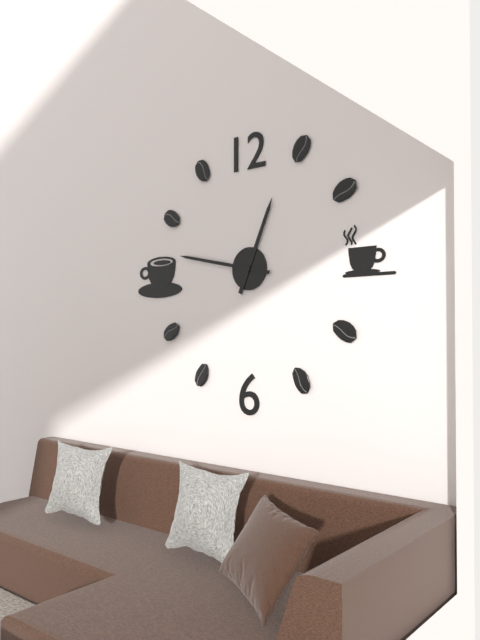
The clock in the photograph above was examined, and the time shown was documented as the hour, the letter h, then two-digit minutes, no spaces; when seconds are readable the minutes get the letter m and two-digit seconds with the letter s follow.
12h47
